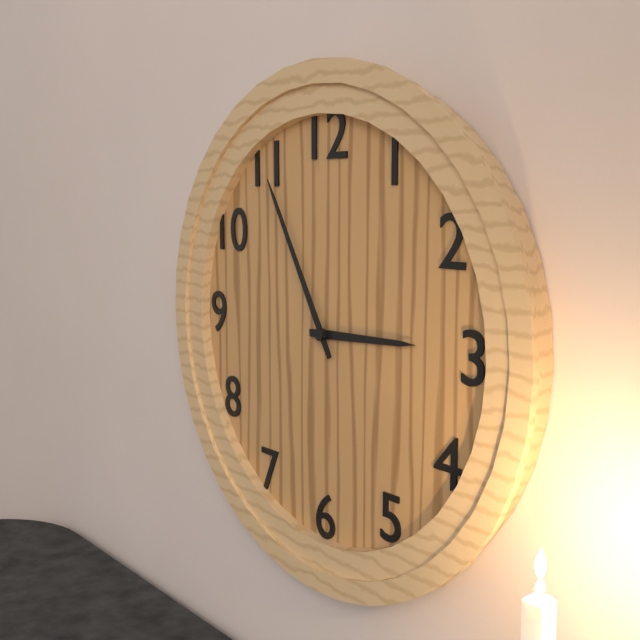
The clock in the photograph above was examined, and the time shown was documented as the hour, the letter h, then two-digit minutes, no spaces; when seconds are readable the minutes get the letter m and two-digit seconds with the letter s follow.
2h55
